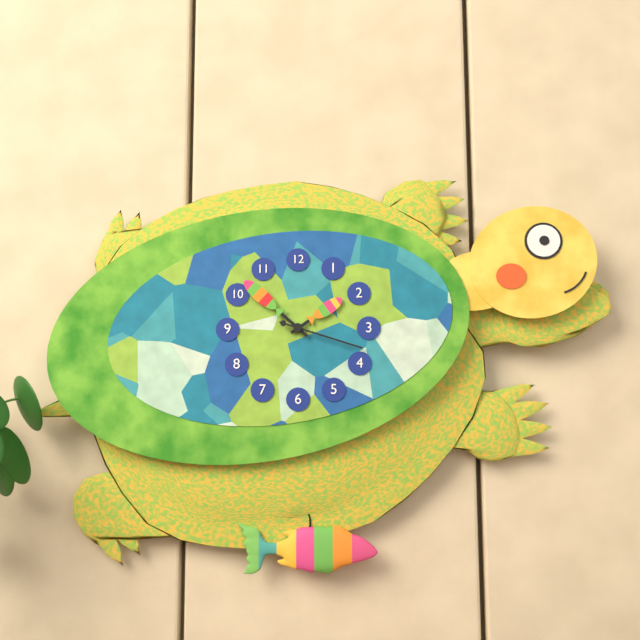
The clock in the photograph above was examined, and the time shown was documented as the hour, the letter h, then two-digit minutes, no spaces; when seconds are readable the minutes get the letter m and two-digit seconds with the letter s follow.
1h52m18s
